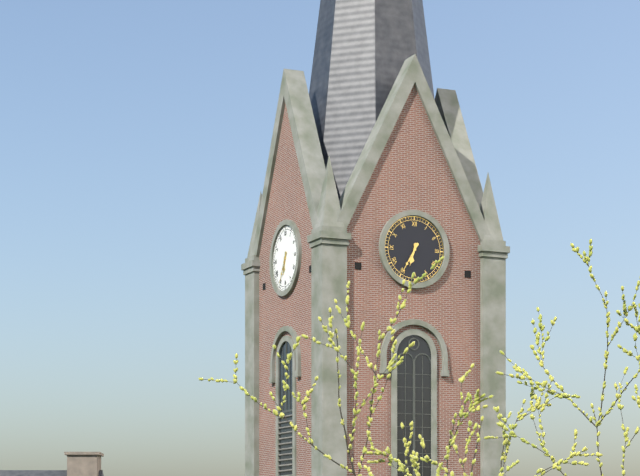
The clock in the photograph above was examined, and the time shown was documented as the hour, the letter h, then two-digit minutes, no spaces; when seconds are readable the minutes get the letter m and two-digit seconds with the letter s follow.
6h35
